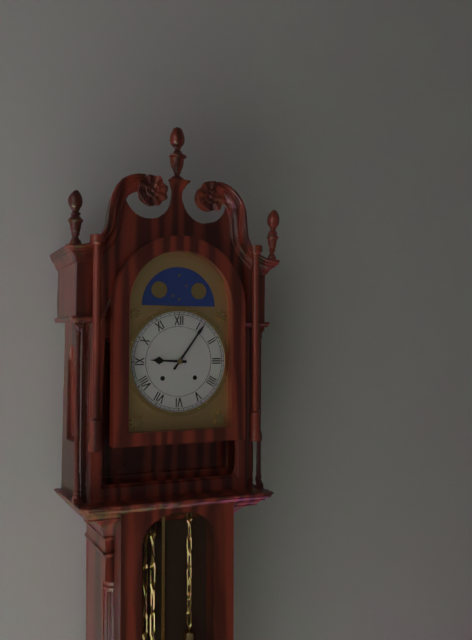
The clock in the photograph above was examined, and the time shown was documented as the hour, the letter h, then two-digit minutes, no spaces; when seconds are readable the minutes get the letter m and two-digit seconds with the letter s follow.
9h06
